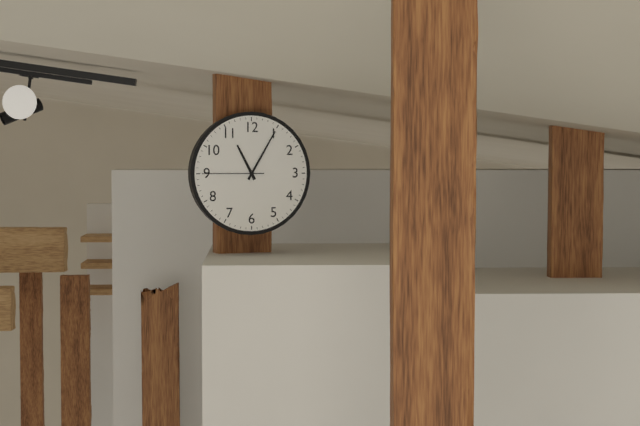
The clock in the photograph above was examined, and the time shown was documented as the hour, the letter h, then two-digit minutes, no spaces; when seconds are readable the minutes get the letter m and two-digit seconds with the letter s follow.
11h05m45s
